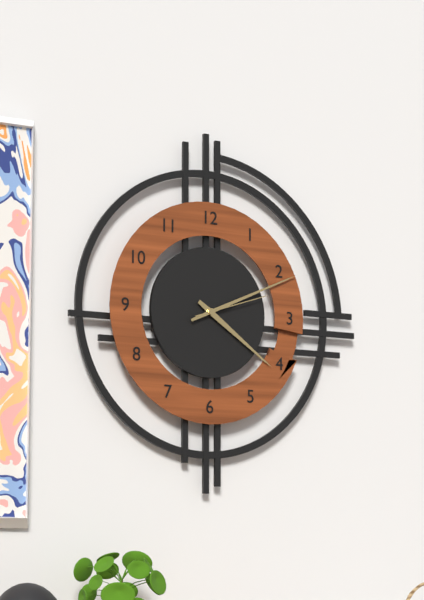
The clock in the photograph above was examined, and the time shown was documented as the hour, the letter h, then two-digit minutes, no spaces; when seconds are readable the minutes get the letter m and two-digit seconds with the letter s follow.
4h11m12s
